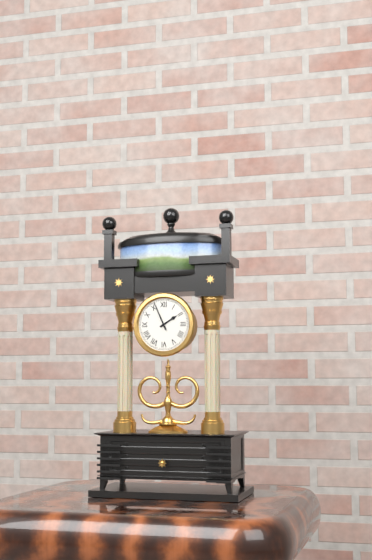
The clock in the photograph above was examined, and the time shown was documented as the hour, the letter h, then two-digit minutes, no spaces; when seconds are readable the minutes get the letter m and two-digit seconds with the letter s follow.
1h56
